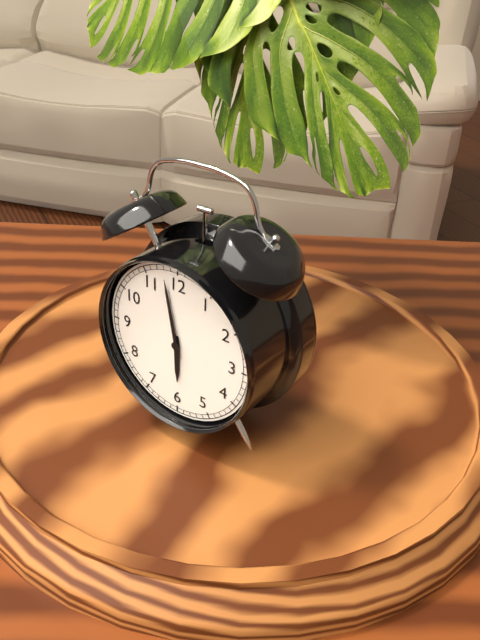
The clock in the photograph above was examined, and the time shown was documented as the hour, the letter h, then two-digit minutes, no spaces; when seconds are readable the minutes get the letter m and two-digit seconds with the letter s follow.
5h58
